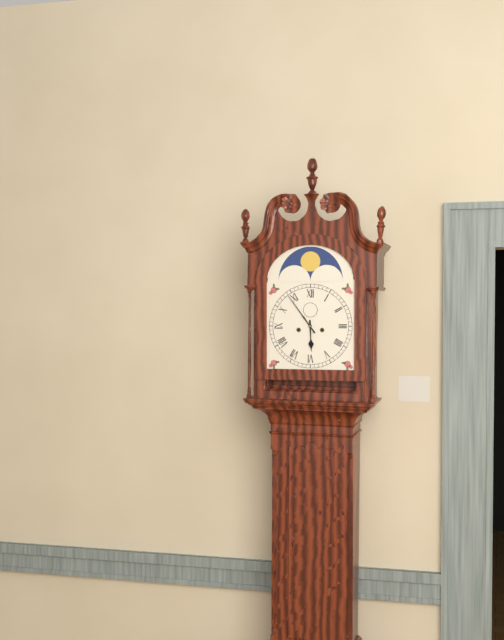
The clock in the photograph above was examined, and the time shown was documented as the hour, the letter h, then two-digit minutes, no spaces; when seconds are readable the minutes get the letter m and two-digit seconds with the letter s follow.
5h54
